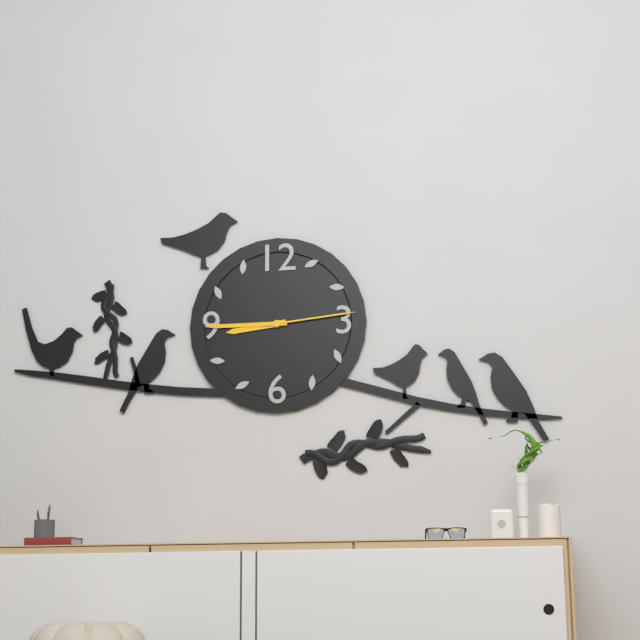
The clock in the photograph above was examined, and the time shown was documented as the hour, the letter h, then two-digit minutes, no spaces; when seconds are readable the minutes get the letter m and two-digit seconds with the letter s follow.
8h45m14s
